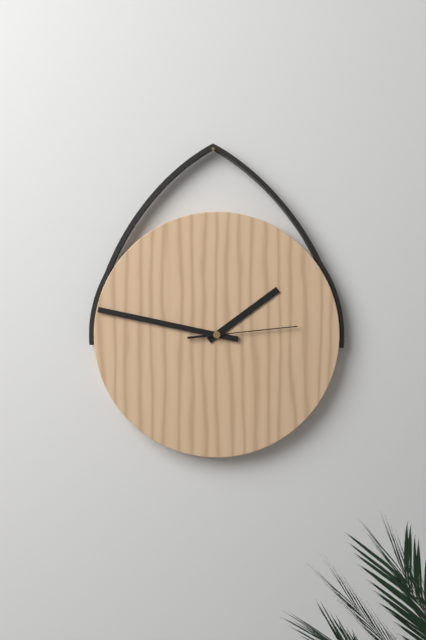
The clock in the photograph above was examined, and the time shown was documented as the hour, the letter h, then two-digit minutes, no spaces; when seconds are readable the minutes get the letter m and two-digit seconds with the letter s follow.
1h47m14s
